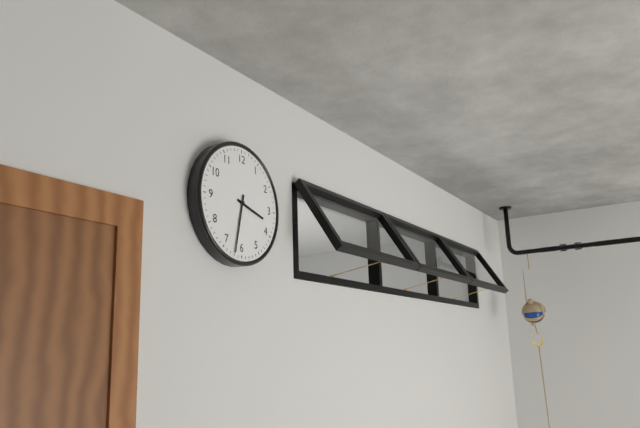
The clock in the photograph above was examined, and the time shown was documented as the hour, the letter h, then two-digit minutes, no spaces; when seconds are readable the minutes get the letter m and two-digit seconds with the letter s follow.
3h32
